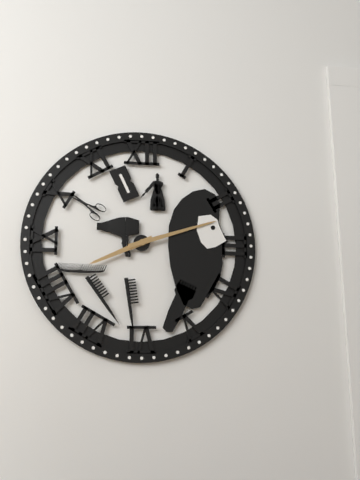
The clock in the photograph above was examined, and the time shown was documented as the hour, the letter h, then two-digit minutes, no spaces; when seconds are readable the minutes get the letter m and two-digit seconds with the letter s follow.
8h12
